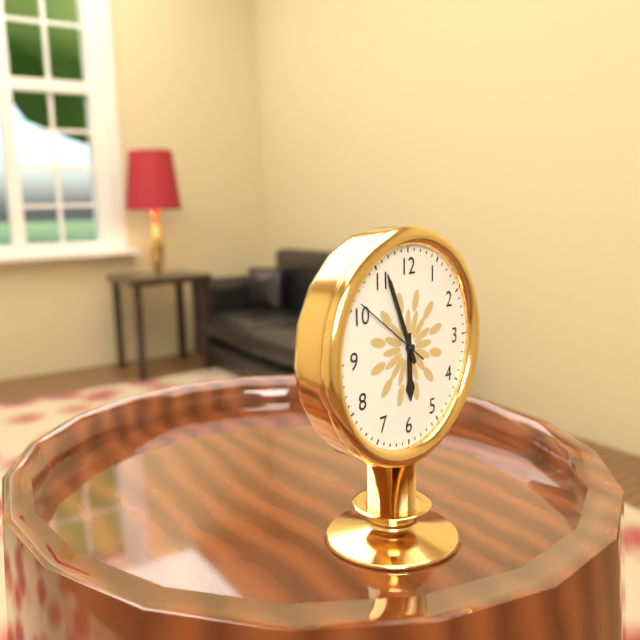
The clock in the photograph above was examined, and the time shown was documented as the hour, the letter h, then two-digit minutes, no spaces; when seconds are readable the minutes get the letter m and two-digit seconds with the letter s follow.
5h56m51s
